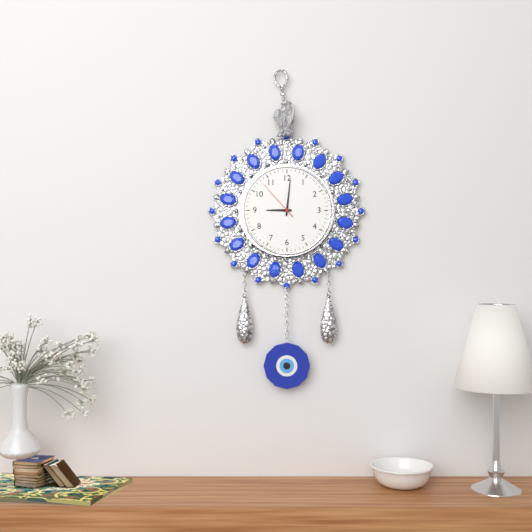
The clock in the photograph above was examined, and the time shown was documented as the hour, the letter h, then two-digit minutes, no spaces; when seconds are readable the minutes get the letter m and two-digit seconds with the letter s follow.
9h01
